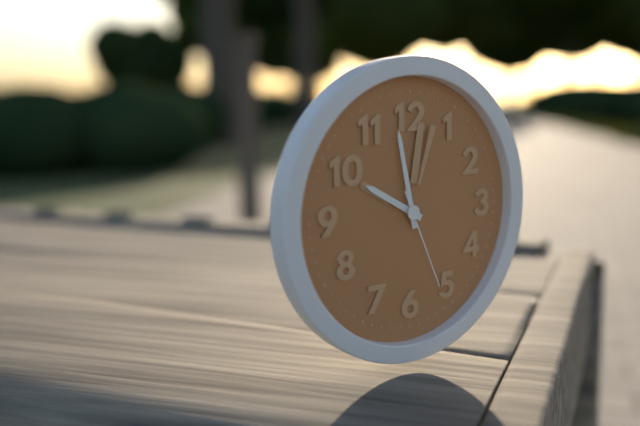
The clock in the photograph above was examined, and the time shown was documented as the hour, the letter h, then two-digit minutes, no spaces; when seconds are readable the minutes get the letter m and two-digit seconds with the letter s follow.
9h58m26s
